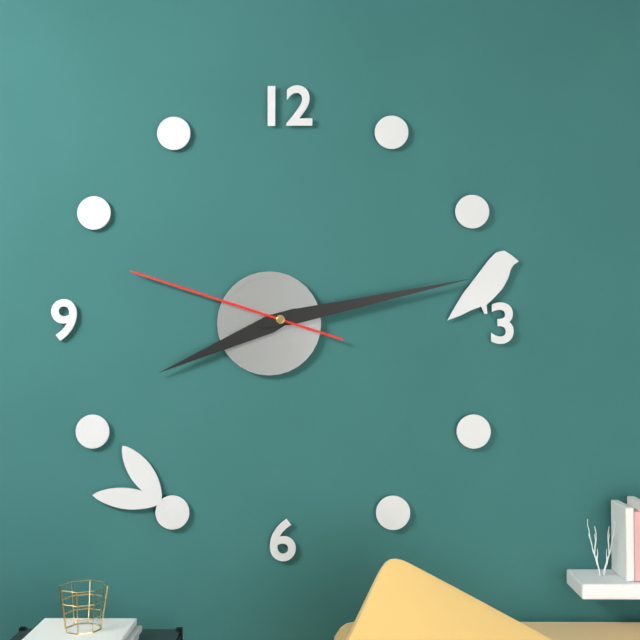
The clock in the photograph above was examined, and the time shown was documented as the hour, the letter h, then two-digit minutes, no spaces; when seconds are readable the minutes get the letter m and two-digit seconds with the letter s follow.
8h13m48s
